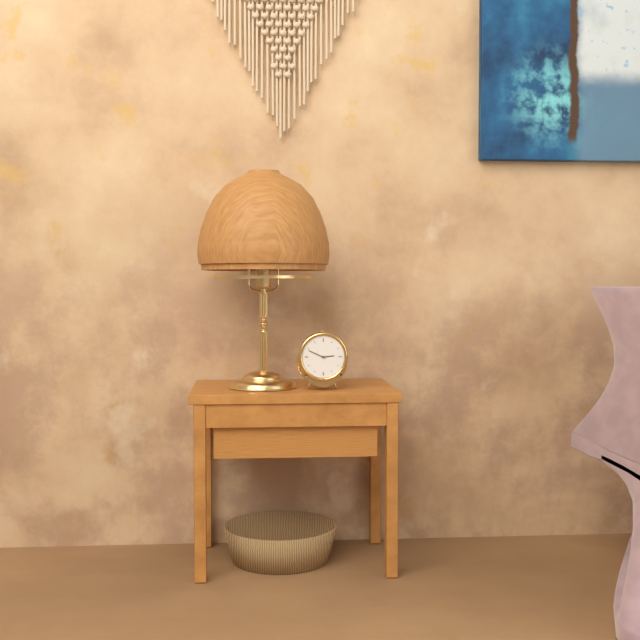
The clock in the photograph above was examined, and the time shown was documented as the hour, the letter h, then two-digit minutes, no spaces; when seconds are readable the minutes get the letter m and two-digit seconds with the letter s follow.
2h49
